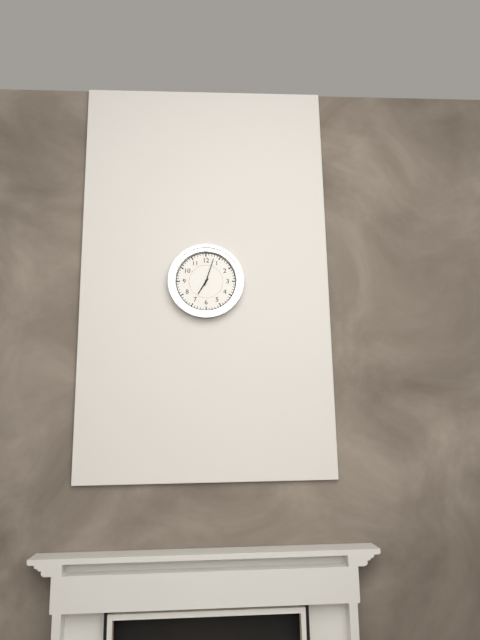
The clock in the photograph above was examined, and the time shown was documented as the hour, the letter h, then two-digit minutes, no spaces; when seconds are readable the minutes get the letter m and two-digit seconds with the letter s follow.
7h03
